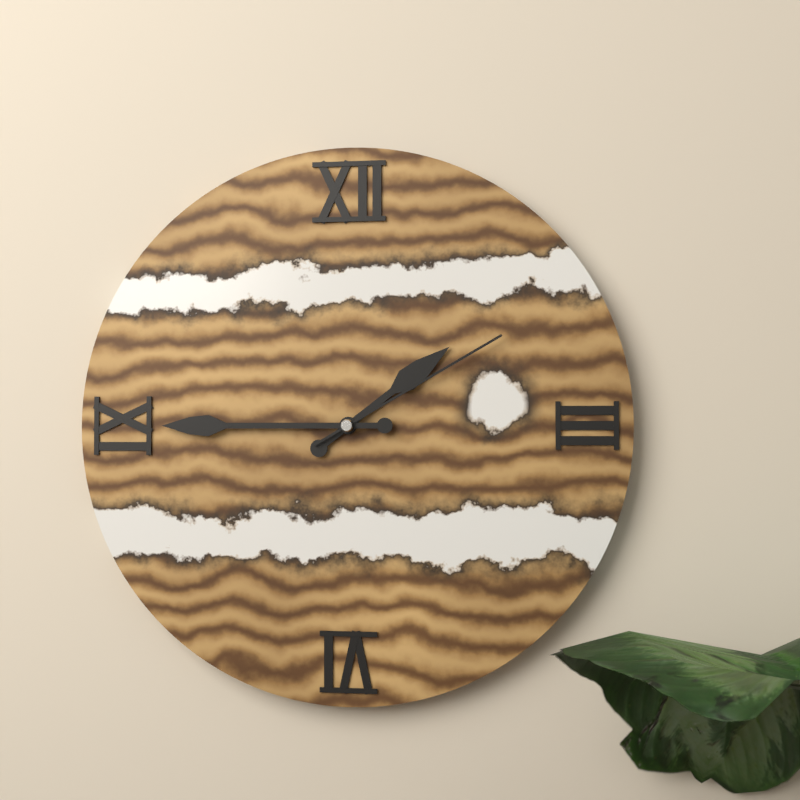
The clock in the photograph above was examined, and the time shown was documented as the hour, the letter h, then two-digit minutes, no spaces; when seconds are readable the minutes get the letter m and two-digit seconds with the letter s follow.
1h45m10s
